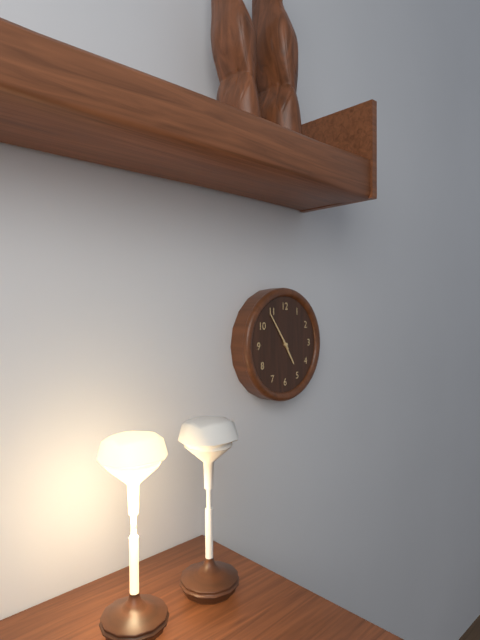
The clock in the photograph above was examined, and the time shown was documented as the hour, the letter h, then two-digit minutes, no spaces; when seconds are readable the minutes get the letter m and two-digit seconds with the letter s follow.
4h54
